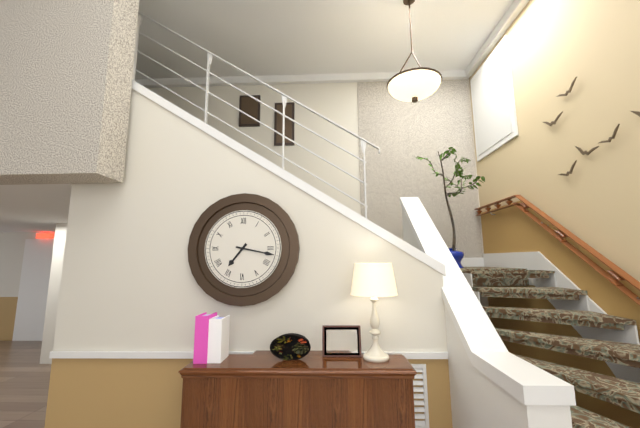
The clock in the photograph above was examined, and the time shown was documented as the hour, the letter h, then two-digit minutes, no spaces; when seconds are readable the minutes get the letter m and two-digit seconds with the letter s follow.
7h17
